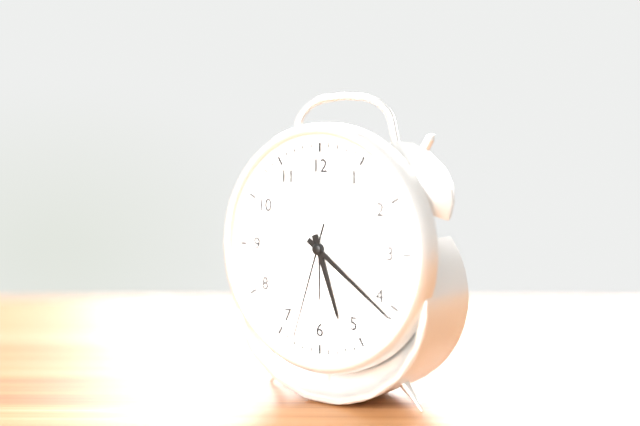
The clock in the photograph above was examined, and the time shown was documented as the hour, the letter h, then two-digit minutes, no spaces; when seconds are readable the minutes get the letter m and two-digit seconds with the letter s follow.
5h21m33s
